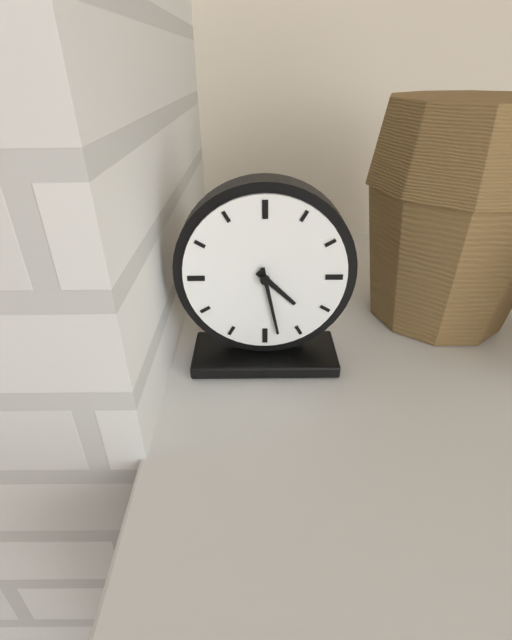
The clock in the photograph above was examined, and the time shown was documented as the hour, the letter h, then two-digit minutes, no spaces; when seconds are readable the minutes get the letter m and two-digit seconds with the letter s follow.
4h28
